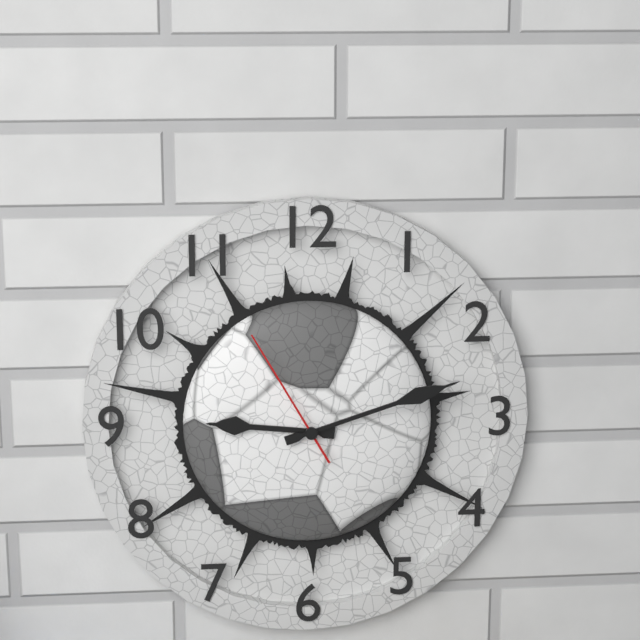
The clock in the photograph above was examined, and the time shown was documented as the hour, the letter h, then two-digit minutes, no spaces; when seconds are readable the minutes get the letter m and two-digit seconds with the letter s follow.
9h12m55s
